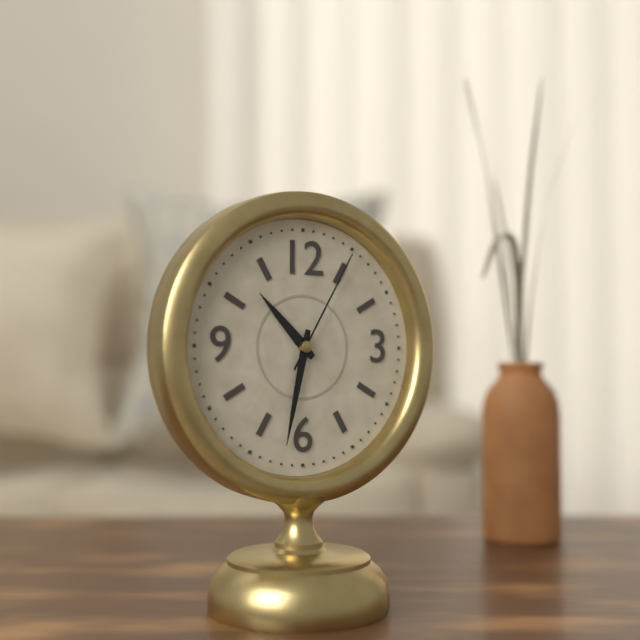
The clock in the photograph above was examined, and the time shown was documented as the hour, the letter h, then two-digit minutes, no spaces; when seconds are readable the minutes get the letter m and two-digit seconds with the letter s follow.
10h32m05s
